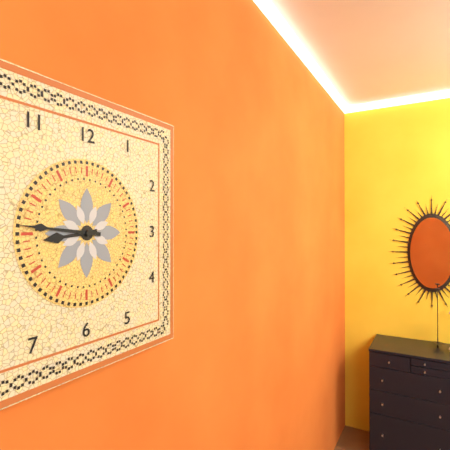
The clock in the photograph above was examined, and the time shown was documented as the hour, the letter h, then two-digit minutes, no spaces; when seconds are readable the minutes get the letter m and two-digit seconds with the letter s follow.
8h46
